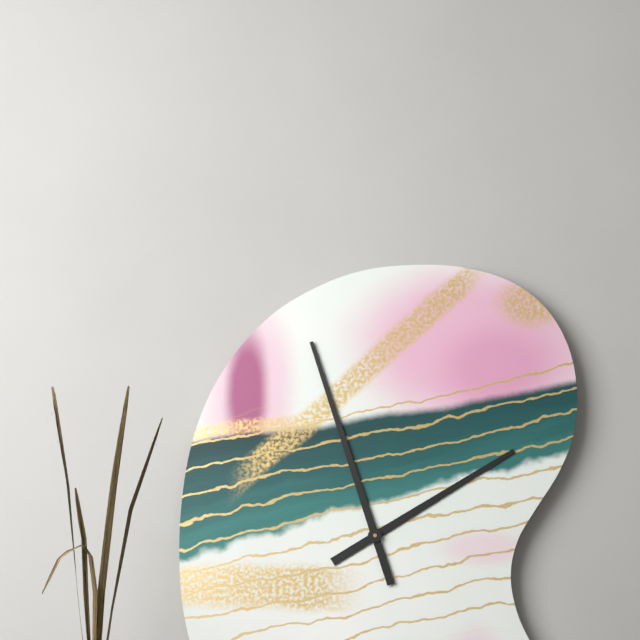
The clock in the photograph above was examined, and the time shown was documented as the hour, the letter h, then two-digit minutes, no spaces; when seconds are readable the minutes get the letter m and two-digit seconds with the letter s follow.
1h57
